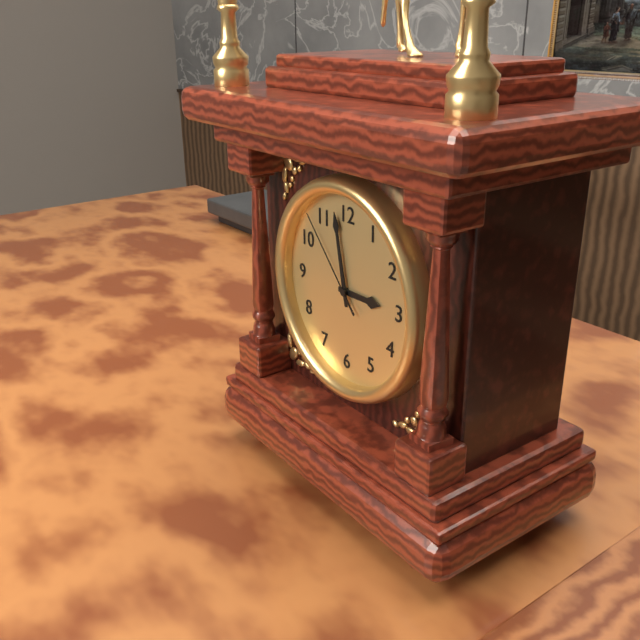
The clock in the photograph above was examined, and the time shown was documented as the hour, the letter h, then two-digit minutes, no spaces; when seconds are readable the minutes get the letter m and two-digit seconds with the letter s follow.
2h58m53s
